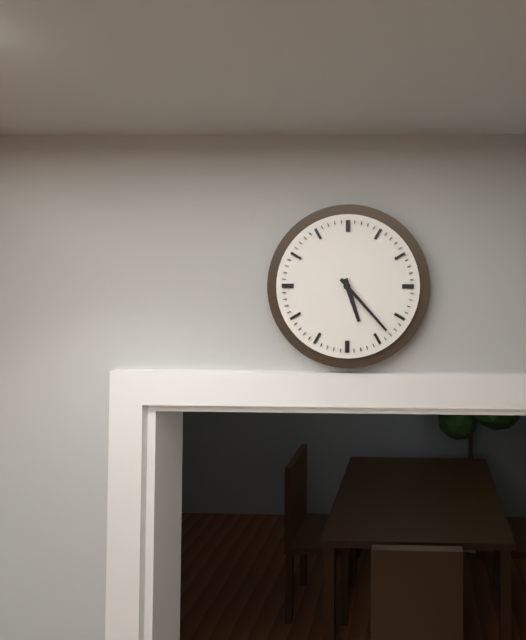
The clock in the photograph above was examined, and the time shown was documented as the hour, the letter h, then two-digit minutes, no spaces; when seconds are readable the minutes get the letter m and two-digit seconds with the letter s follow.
5h23
